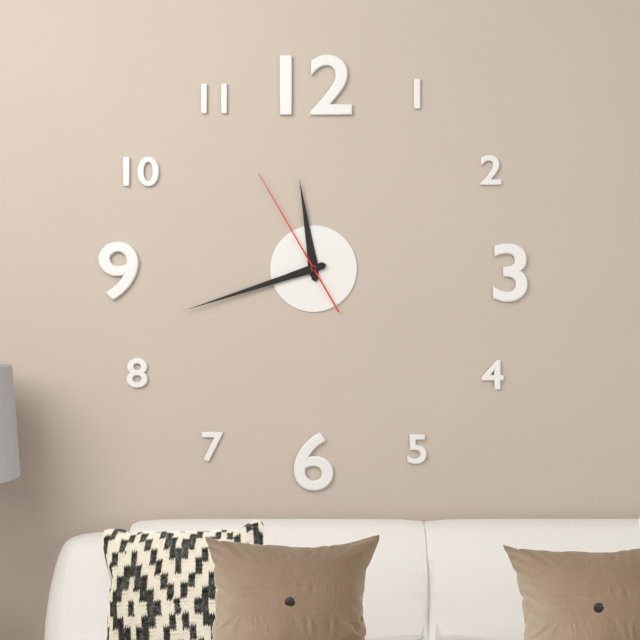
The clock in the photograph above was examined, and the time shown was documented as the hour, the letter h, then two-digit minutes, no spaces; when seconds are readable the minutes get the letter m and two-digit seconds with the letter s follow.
11h42m55s
